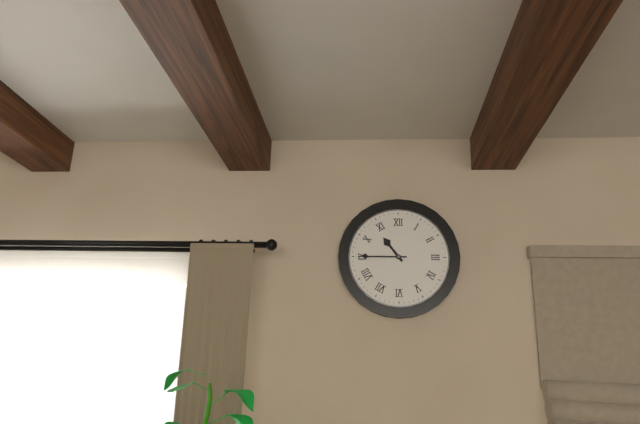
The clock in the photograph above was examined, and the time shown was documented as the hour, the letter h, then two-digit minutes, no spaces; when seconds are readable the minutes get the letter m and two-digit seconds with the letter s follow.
10h45
